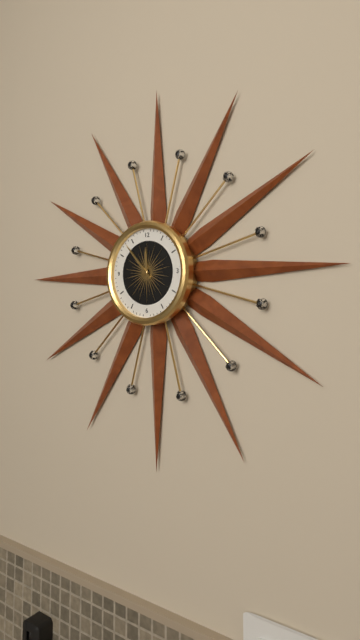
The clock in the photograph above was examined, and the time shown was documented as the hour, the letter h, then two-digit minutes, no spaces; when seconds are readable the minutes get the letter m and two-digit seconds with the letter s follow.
11h53
